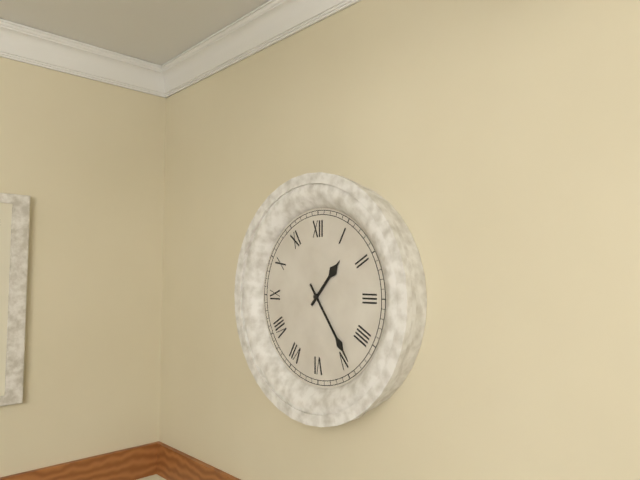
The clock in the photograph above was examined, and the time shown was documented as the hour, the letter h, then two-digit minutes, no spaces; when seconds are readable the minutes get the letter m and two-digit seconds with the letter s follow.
1h24
